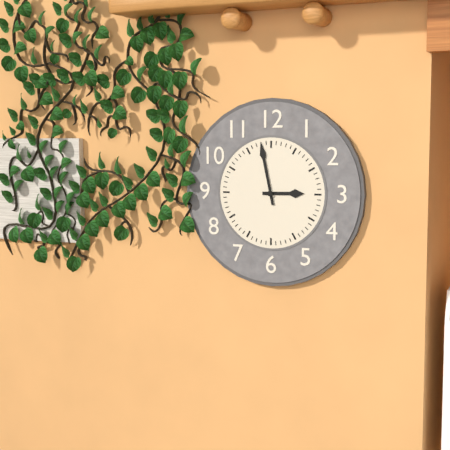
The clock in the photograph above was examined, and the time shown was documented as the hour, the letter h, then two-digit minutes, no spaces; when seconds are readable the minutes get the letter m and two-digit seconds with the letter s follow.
2h58
